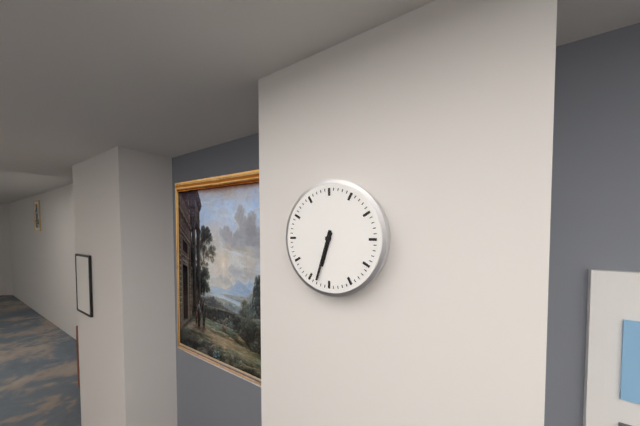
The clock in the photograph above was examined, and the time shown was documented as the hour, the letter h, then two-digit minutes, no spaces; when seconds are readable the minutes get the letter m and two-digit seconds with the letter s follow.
6h33
